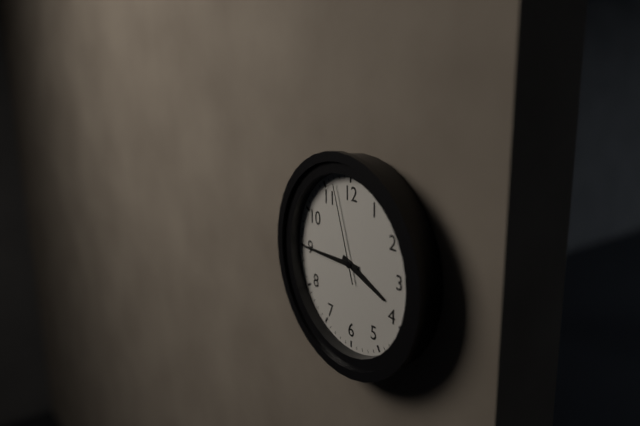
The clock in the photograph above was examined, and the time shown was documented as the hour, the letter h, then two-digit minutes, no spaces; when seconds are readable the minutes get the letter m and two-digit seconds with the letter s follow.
3h45m57s
